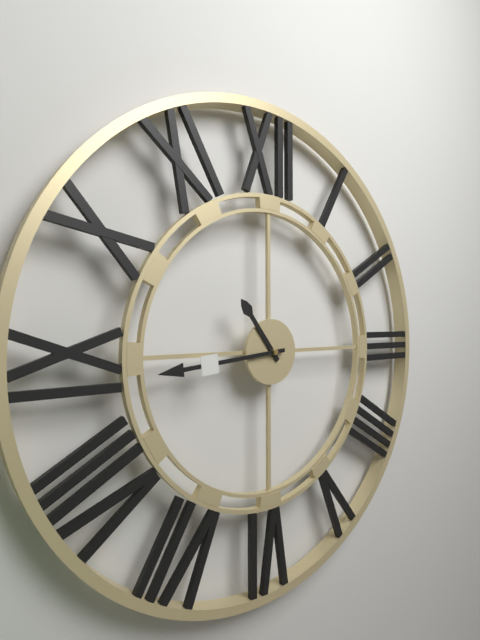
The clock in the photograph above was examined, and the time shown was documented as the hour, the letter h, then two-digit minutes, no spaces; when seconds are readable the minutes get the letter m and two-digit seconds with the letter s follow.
10h44
